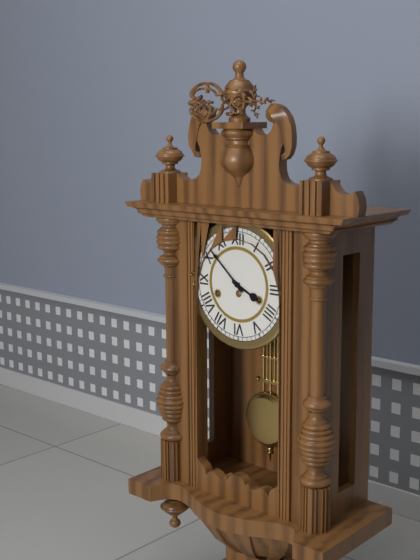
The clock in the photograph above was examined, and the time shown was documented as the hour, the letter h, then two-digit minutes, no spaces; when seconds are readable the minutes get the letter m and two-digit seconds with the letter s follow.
3h52
